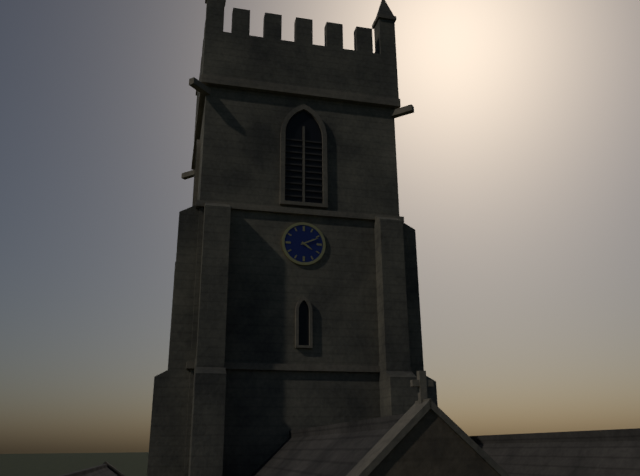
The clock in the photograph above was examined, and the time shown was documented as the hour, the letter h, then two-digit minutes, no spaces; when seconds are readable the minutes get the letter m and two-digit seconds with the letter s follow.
4h11
